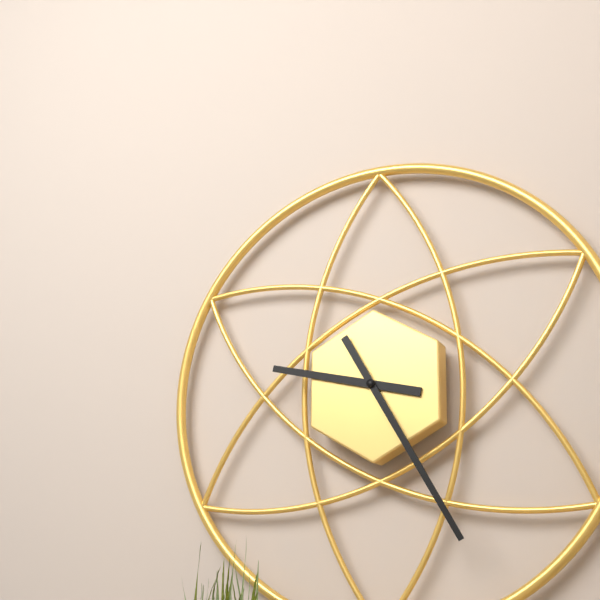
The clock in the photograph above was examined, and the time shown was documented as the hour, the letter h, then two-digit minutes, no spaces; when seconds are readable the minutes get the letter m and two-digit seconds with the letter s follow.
9h25
